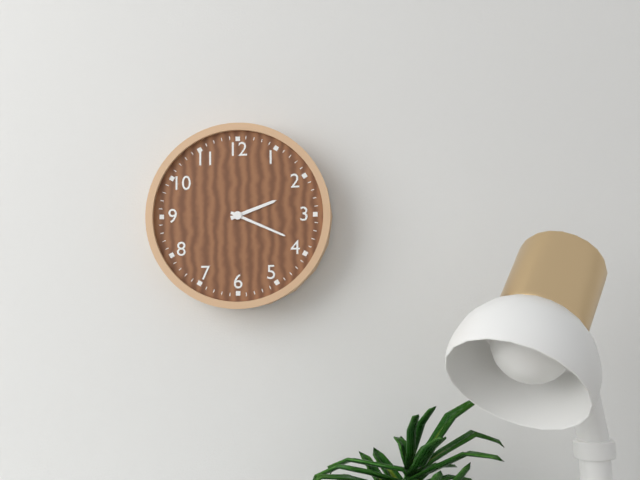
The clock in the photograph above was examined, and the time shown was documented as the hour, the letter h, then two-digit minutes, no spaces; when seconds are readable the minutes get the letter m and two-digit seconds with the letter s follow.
2h19
